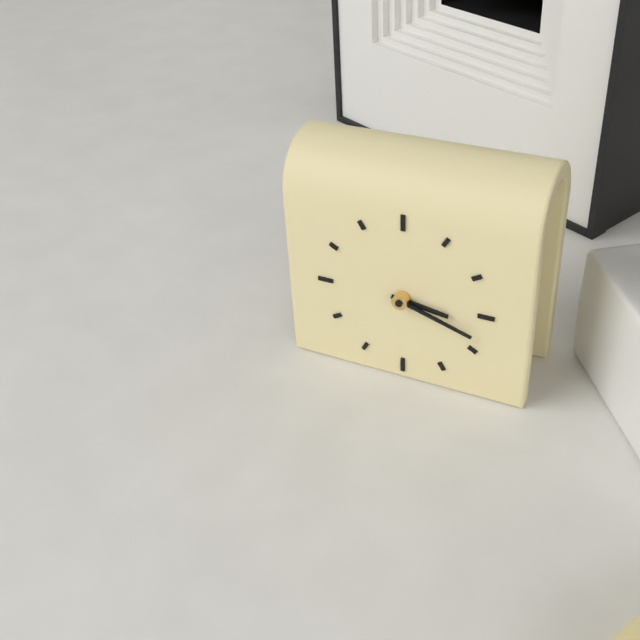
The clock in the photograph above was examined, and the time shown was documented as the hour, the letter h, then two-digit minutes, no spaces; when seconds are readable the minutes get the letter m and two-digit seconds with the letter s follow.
3h18
